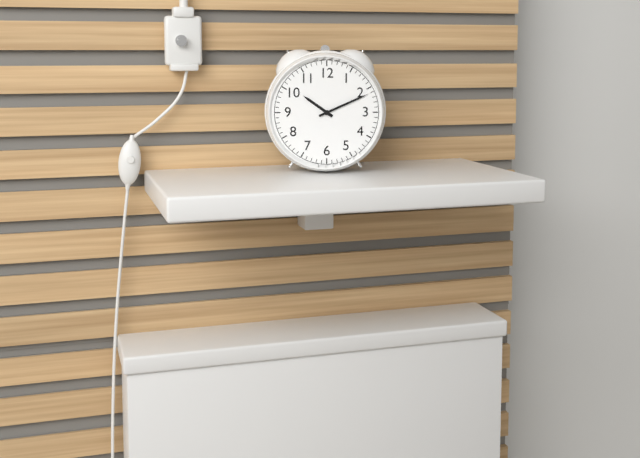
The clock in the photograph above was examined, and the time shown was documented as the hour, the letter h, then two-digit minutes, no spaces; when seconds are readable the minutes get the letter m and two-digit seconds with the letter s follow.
10h11
